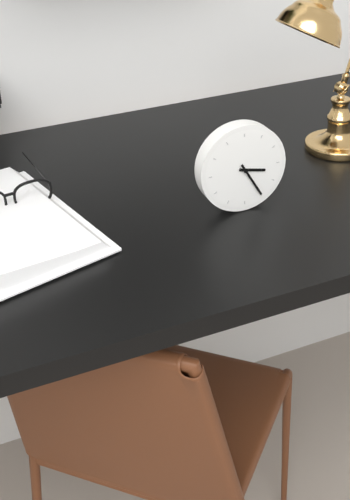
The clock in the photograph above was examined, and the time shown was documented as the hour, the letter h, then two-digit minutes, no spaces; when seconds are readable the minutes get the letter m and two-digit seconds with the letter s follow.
3h25
